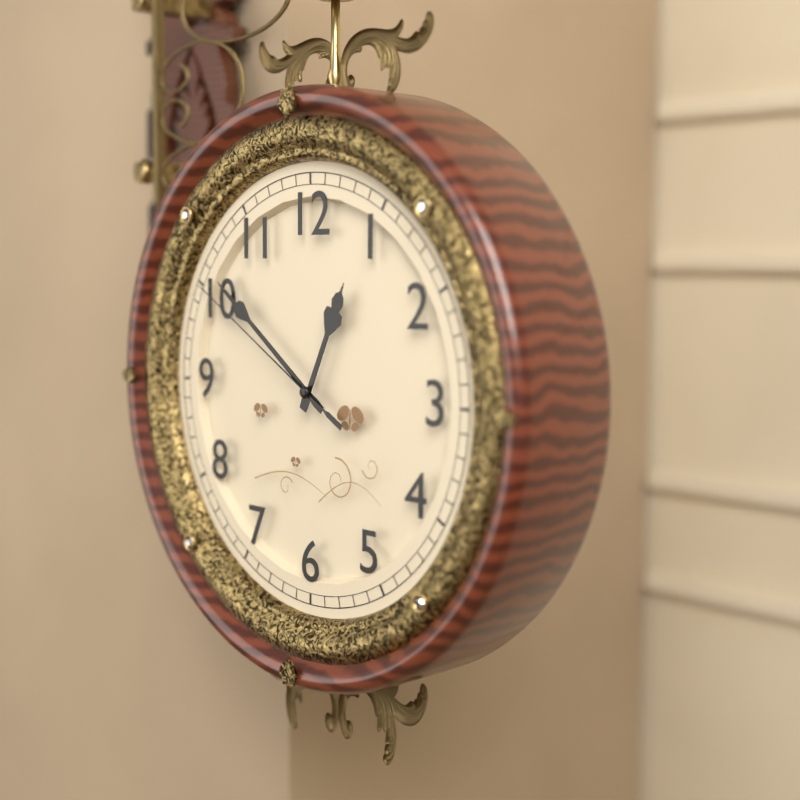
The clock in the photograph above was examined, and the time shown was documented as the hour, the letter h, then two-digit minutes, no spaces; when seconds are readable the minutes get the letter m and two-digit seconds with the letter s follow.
12h51m50s
